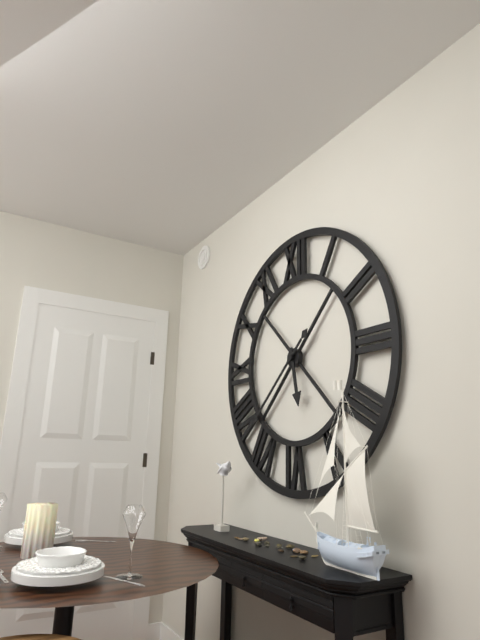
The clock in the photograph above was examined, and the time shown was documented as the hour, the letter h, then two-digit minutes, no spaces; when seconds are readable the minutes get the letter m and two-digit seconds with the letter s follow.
5h38
